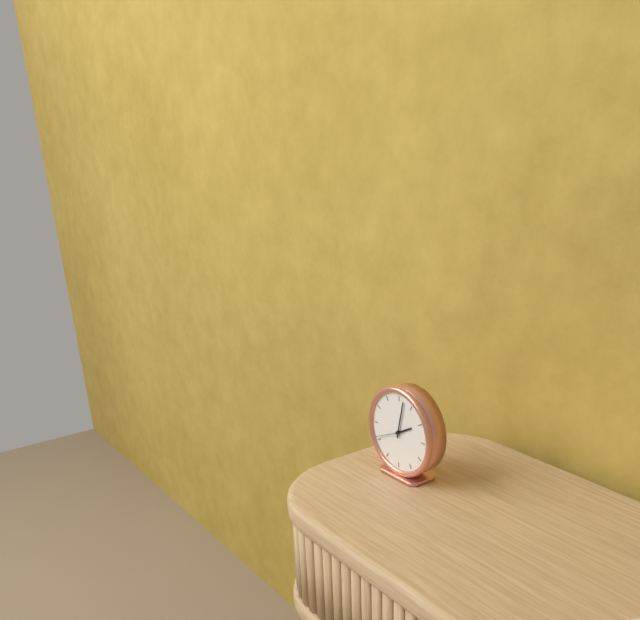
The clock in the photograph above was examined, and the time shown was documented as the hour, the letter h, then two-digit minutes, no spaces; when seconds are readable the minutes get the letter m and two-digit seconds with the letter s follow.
2h02
